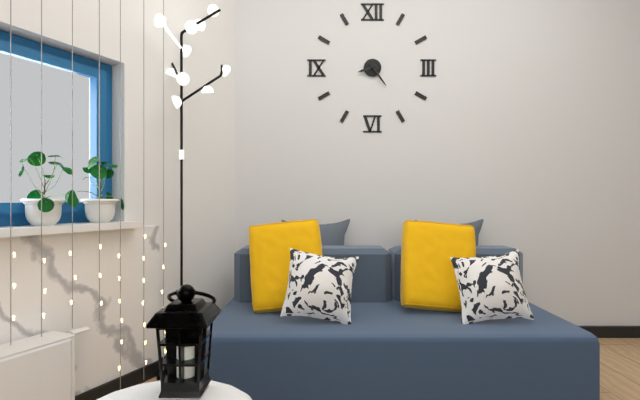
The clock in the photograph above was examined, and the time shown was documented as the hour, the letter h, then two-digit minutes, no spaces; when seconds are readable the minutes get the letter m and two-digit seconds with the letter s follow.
8h24
